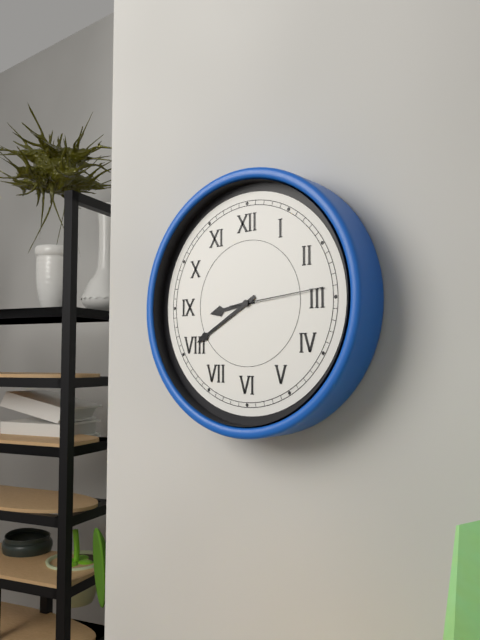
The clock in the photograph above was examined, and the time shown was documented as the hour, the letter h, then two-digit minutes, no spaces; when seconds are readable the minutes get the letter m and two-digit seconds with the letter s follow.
8h40m14s
